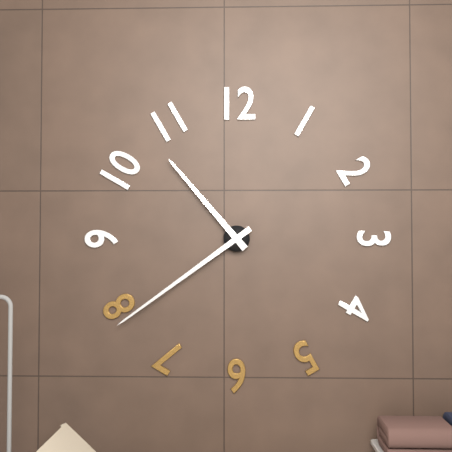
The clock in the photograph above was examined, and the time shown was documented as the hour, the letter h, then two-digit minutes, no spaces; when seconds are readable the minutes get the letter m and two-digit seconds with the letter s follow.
10h39
